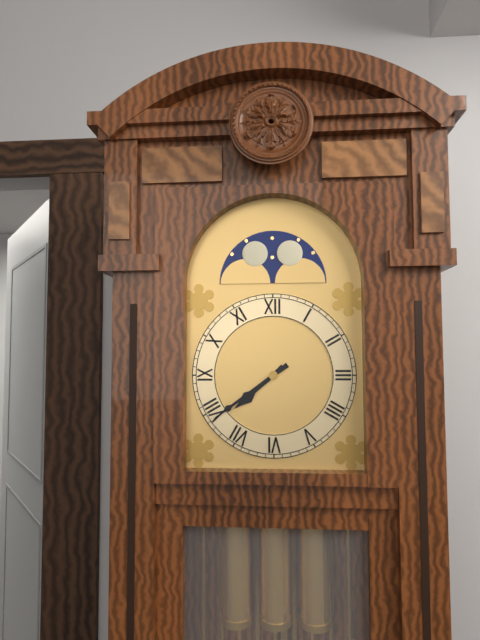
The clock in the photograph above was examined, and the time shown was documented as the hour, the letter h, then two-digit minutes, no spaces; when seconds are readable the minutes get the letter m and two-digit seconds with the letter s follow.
7h39
